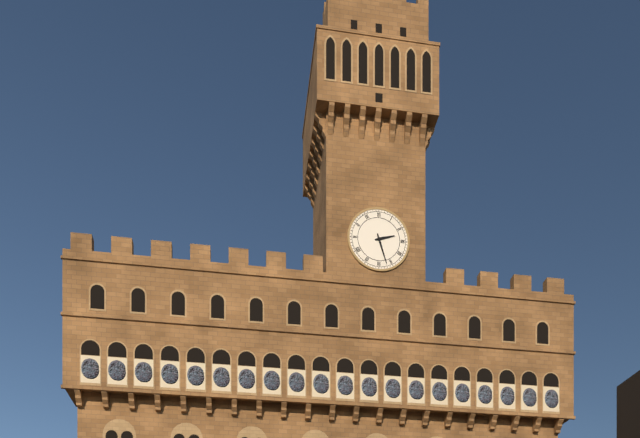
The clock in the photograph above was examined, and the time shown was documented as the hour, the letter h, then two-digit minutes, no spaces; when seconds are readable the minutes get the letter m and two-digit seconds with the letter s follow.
2h27
